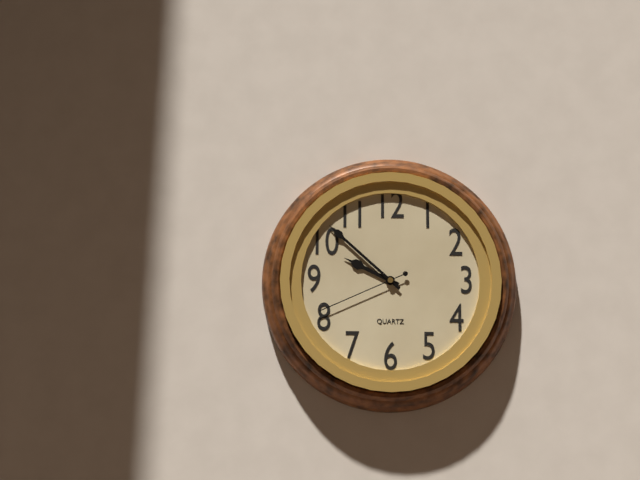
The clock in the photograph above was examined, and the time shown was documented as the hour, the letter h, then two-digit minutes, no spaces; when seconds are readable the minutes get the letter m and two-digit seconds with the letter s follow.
9h52m41s
